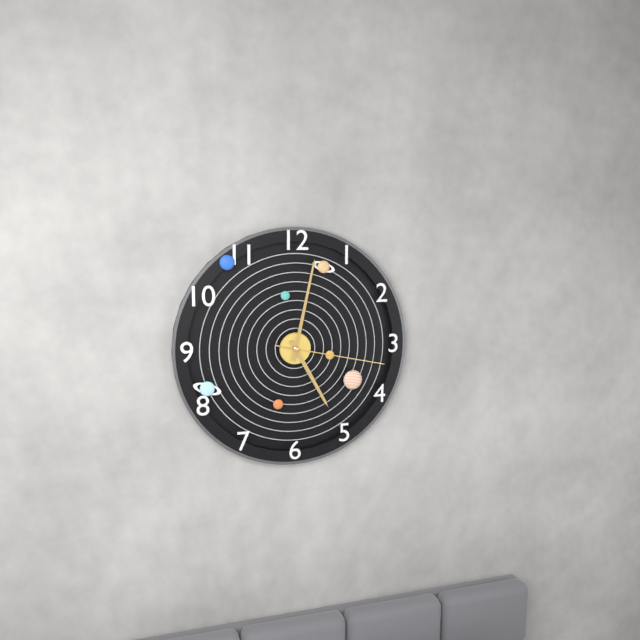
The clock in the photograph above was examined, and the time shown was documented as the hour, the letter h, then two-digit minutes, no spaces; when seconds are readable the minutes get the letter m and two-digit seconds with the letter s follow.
5h02m17s
